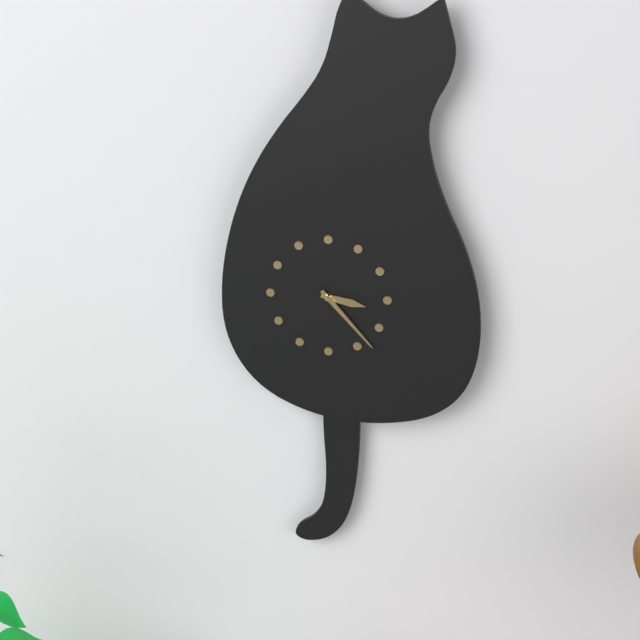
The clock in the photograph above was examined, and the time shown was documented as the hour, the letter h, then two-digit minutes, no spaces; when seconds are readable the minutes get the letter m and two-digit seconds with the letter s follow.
3h23
